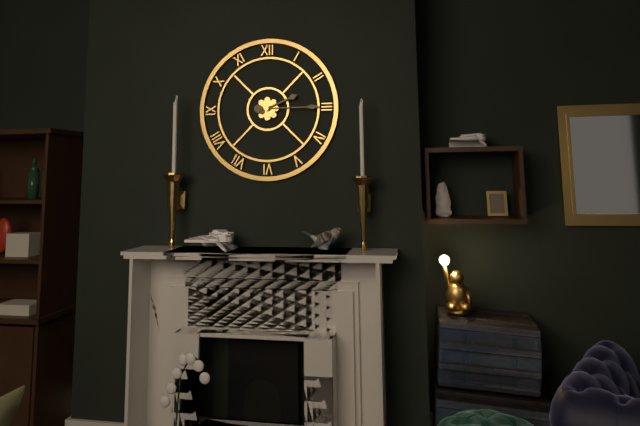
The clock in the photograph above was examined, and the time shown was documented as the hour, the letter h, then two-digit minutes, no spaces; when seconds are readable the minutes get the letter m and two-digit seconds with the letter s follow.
2h15
